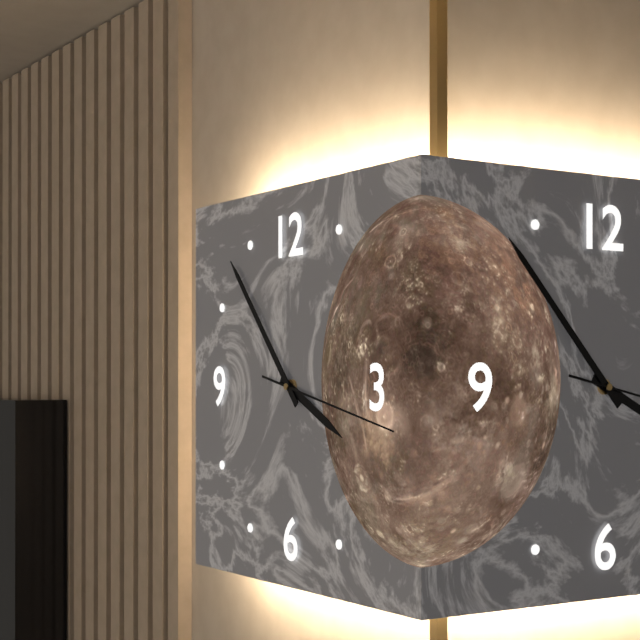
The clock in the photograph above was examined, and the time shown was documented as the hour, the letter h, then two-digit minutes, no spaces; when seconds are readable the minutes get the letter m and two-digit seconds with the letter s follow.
3h53m17s
